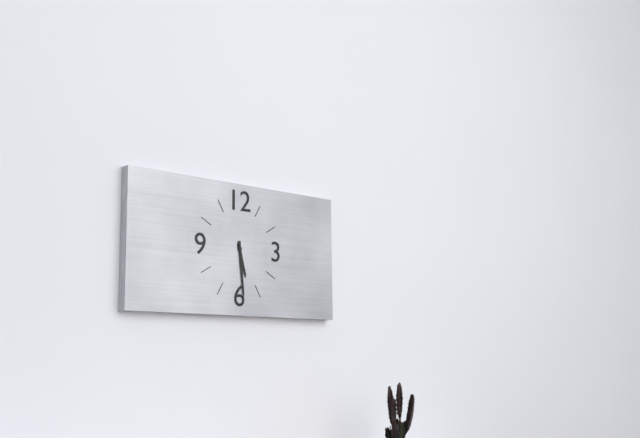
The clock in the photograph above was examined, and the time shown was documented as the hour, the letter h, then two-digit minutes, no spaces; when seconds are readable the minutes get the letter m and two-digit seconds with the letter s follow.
5h29
